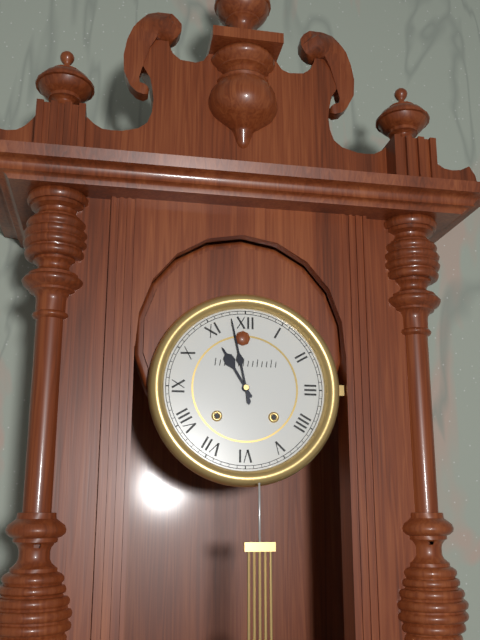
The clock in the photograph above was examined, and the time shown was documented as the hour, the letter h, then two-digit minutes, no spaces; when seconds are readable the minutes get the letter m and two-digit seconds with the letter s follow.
10h58
